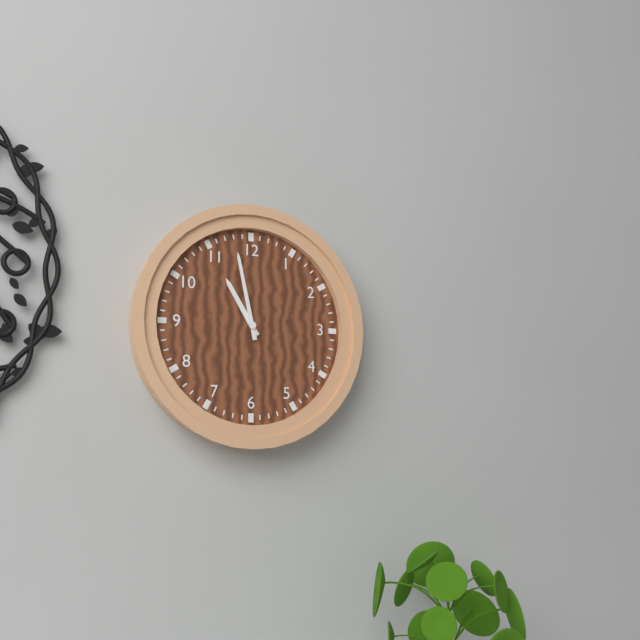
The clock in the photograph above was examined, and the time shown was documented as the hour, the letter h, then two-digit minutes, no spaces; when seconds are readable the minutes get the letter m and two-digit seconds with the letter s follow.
10h58
